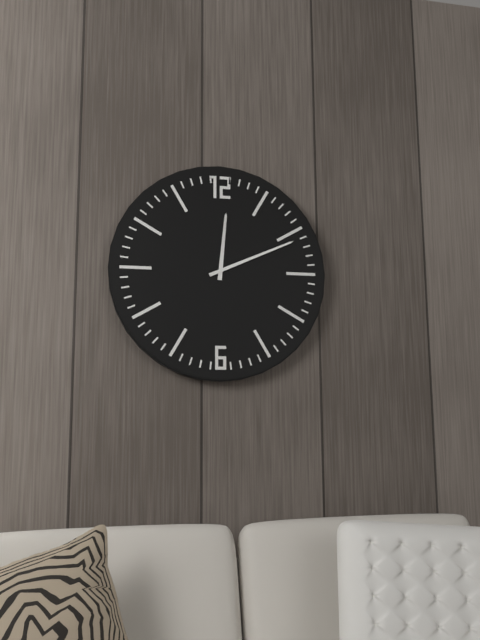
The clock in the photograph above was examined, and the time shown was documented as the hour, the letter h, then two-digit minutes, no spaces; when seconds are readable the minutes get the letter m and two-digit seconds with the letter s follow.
12h11
